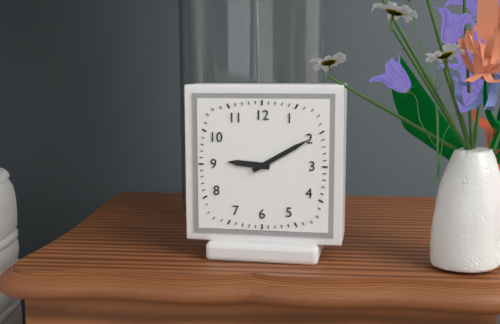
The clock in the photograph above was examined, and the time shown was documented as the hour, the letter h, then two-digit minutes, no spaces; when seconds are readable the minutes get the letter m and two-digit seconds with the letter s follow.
9h10
